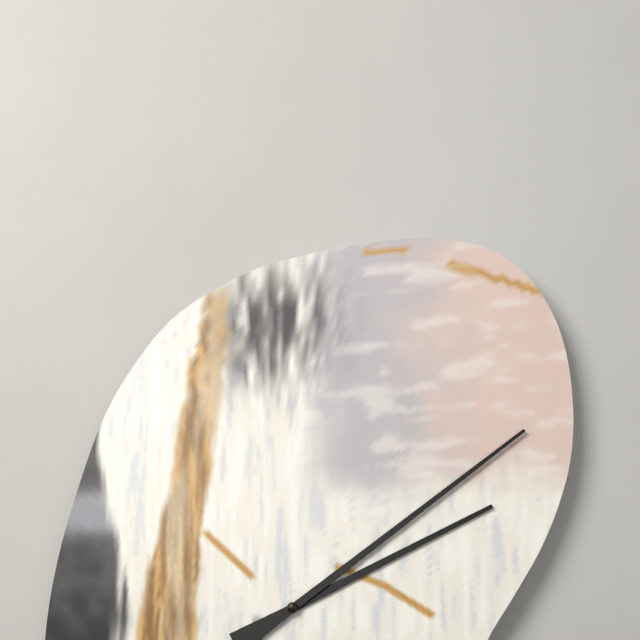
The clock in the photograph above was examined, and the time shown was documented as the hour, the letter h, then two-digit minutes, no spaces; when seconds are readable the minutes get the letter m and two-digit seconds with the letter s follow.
2h09
